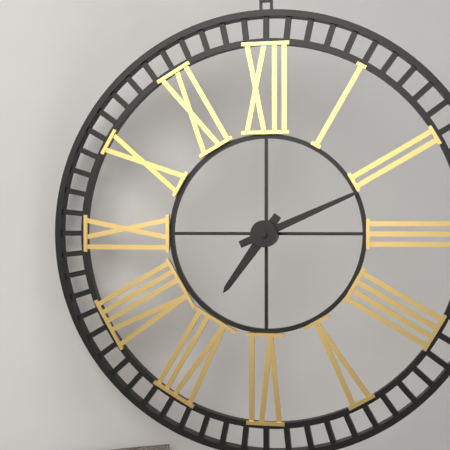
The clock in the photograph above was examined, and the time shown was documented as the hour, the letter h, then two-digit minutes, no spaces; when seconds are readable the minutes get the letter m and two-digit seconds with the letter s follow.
7h11
